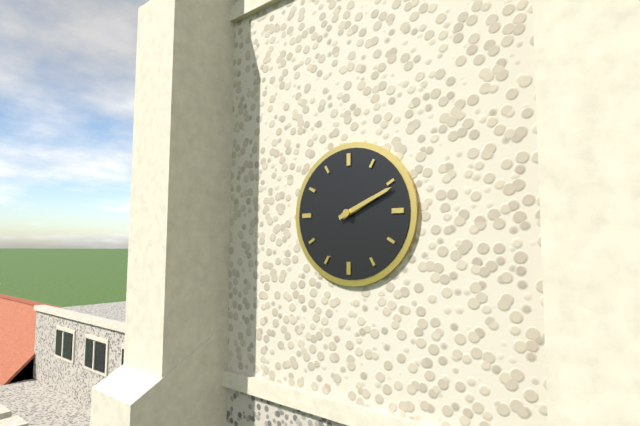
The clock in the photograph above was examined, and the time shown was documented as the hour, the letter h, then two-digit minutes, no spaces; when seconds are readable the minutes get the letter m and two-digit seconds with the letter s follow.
2h11
